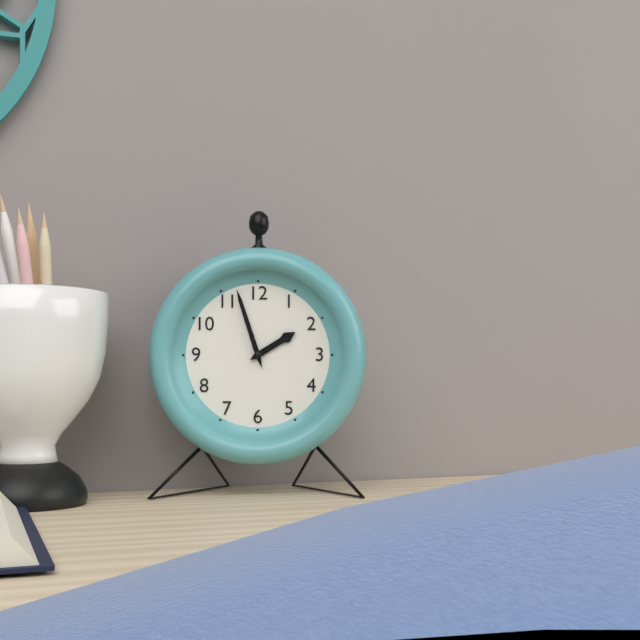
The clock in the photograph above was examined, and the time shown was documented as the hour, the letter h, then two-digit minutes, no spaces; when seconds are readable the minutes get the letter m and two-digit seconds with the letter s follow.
1h57
